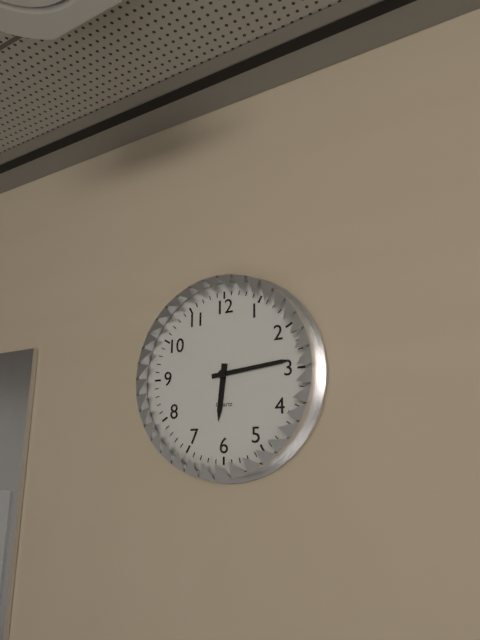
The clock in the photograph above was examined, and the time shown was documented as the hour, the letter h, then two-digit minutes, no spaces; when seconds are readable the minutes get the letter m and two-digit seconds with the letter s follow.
6h14
